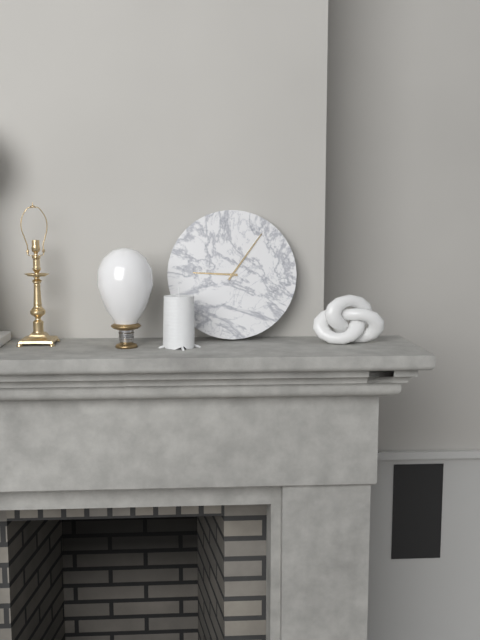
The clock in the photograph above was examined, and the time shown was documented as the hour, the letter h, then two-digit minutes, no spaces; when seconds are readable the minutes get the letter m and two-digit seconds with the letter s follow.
9h06
